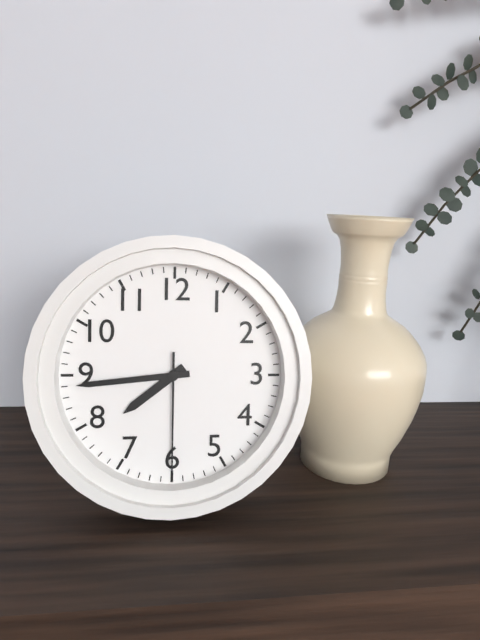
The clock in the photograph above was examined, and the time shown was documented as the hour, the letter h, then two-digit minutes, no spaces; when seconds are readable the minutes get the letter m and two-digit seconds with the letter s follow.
7h44m30s
